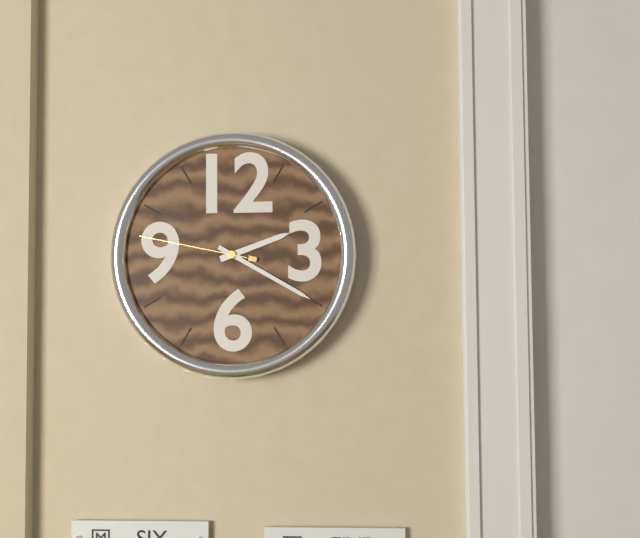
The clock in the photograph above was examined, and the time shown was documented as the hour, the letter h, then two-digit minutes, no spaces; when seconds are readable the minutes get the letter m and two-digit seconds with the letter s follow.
2h20m47s
